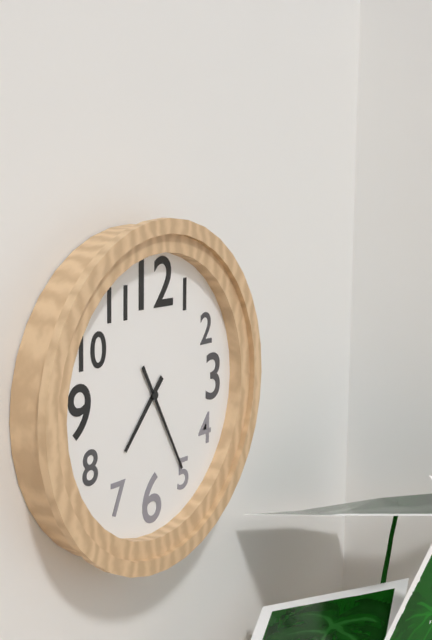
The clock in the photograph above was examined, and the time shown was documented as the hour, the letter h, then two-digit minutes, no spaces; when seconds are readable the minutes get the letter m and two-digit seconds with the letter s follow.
7h25
